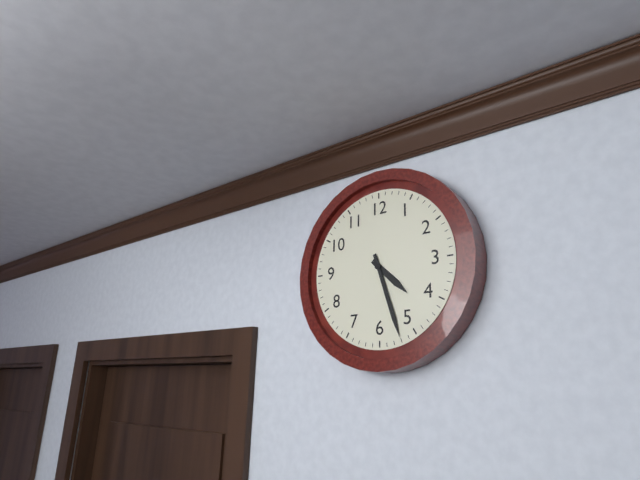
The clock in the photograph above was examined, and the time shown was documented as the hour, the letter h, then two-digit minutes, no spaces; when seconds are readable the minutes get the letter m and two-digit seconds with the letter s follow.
4h27
